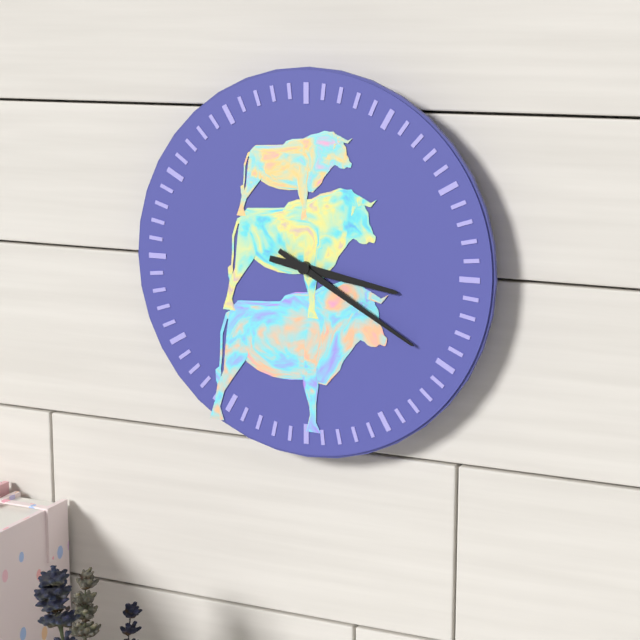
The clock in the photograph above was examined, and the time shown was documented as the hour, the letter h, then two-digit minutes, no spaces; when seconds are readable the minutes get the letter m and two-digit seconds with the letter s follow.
3h20
